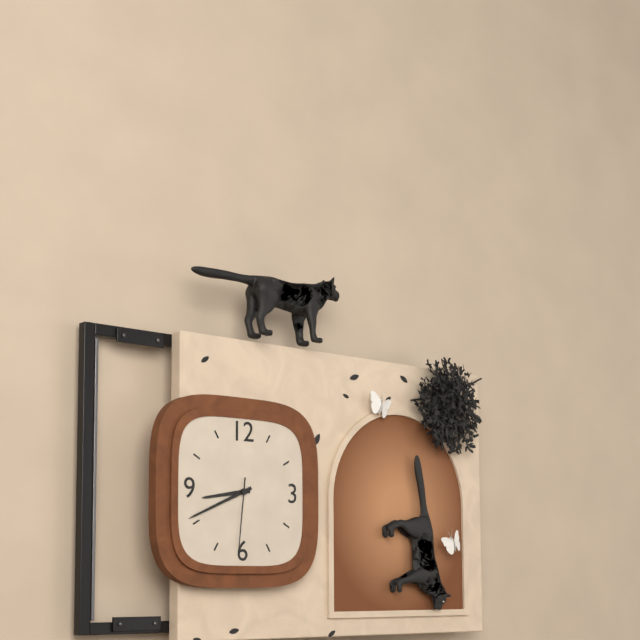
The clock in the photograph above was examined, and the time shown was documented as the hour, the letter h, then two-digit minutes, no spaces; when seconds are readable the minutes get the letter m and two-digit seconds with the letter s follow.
8h41m31s
